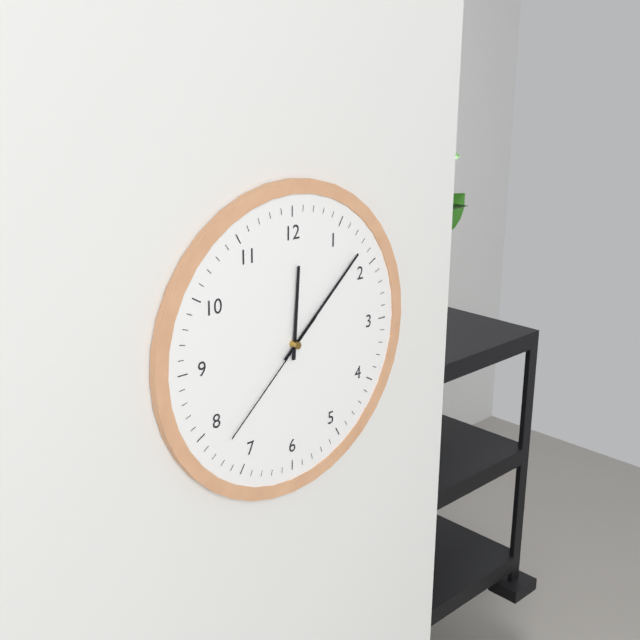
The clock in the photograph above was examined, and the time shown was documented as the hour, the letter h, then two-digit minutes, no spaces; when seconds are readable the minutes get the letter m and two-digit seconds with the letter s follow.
12h08m38s
